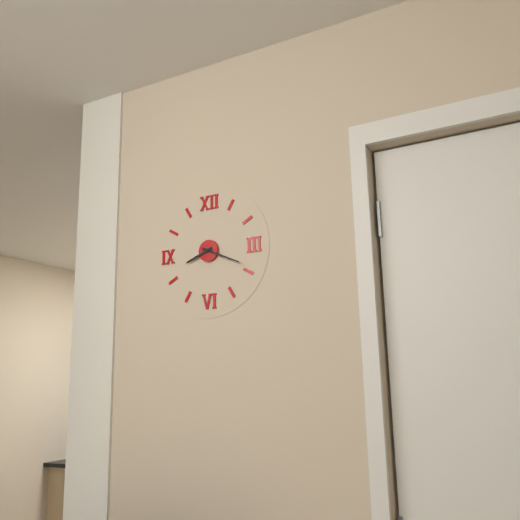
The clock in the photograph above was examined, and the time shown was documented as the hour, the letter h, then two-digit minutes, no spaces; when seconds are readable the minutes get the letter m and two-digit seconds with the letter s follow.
8h19
